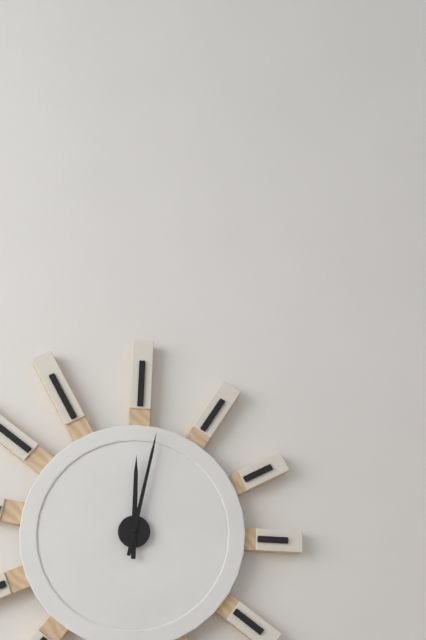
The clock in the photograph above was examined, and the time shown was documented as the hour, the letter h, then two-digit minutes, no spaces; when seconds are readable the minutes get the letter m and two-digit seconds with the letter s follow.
12h02
